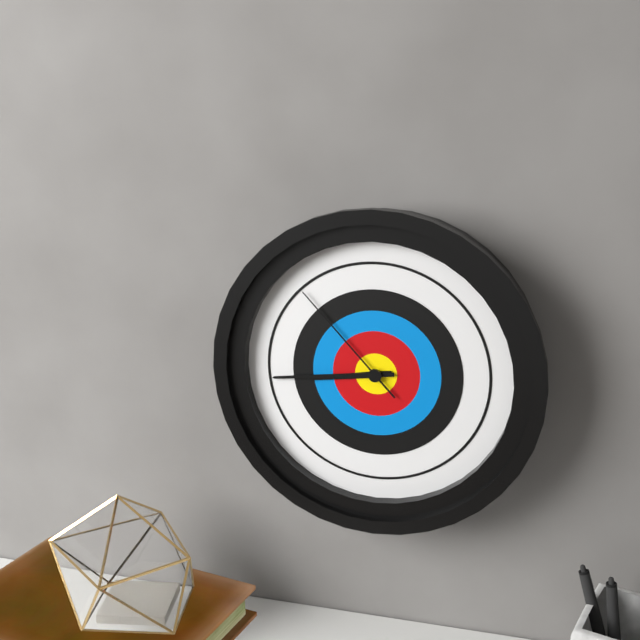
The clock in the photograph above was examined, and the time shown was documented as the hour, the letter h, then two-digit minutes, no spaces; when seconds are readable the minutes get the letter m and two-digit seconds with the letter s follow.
8h44m53s
